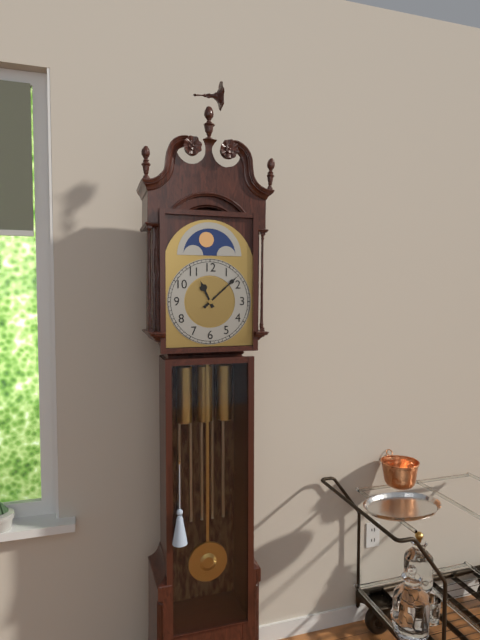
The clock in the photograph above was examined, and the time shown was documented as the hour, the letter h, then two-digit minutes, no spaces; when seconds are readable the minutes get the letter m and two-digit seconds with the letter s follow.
11h08
